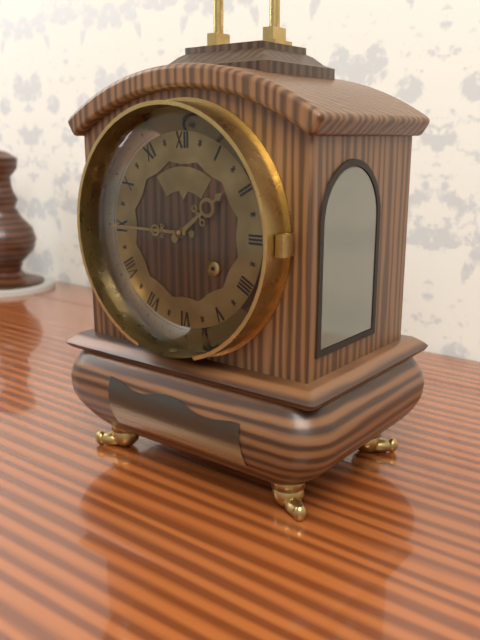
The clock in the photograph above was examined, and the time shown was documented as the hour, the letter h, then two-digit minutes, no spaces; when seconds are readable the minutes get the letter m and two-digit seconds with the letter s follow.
1h45
